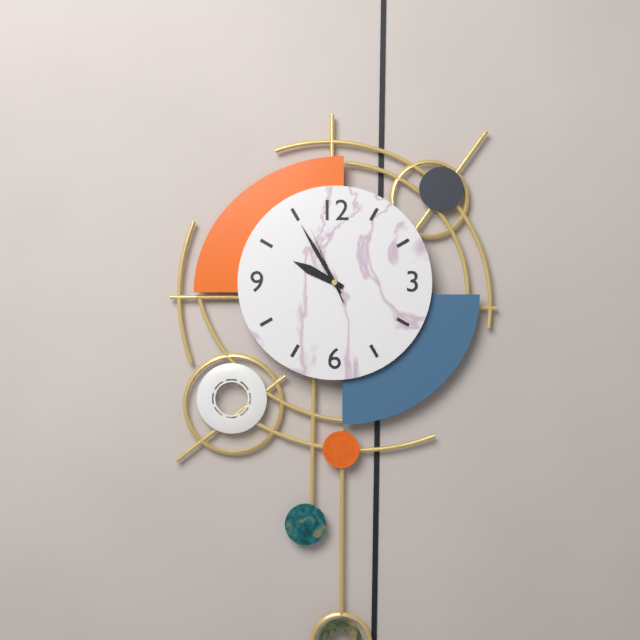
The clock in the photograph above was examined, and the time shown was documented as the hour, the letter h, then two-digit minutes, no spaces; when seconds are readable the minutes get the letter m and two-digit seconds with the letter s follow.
9h55m56s
